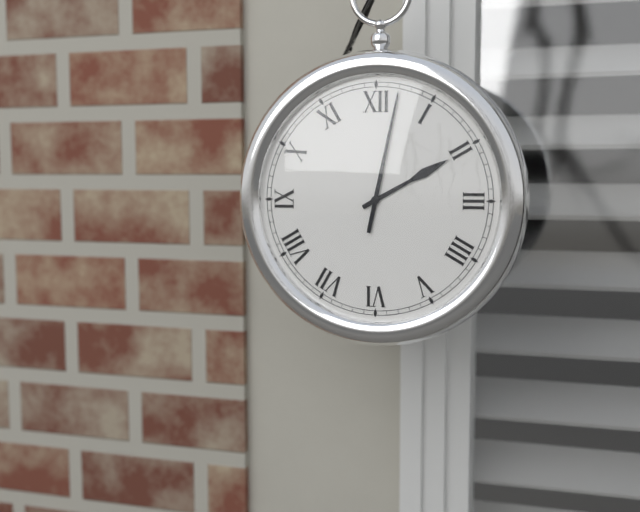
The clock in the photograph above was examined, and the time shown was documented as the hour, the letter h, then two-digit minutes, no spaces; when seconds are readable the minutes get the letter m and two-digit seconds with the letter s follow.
2h02
